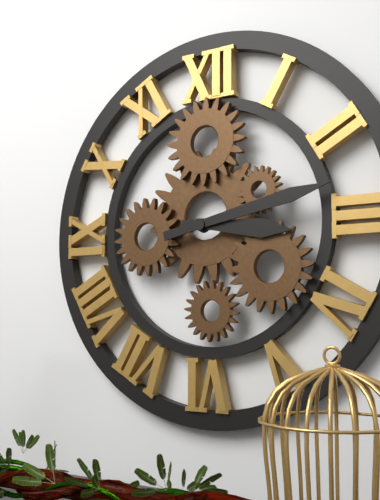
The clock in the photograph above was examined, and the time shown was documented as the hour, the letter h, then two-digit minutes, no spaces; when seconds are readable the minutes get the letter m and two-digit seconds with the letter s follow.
3h13
